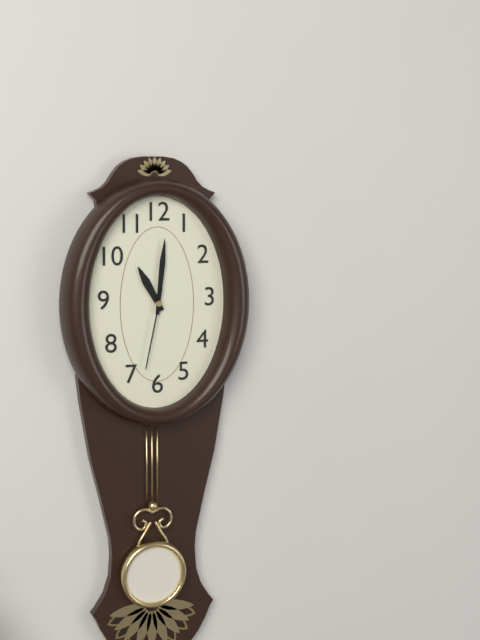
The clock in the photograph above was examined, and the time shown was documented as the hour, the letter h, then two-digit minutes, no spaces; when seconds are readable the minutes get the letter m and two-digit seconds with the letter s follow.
11h01m32s
